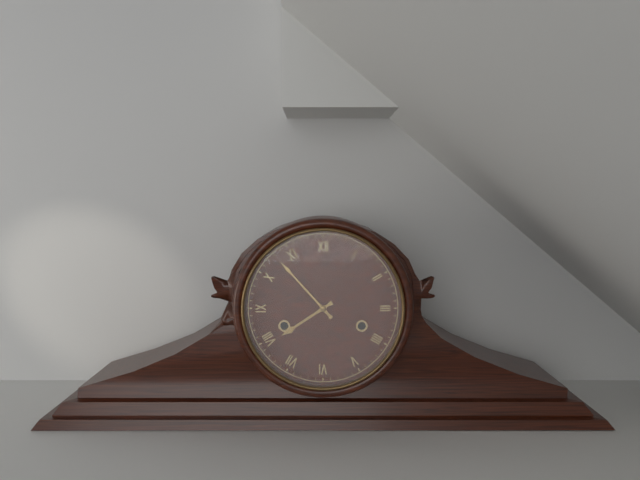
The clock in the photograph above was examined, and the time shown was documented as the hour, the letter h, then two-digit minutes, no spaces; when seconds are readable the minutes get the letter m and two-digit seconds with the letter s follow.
7h53
